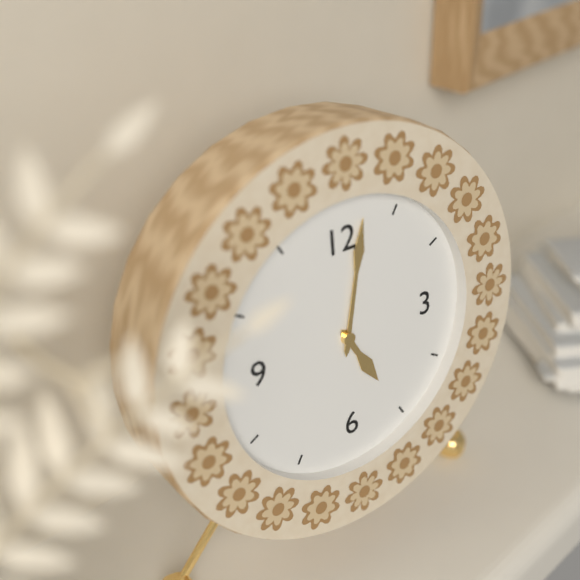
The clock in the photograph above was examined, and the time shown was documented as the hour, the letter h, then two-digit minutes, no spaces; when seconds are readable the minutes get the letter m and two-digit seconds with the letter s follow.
5h02
